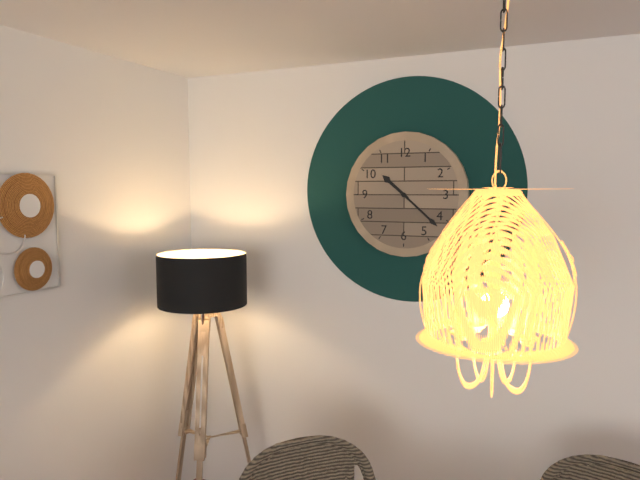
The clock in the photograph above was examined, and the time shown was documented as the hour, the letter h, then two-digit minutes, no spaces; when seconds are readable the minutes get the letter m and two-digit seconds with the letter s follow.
10h22
